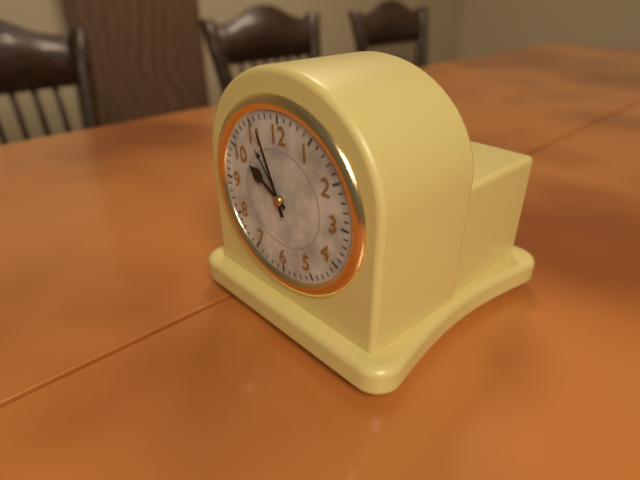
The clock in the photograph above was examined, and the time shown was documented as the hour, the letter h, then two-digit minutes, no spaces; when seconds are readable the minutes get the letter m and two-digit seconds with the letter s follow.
9h56
